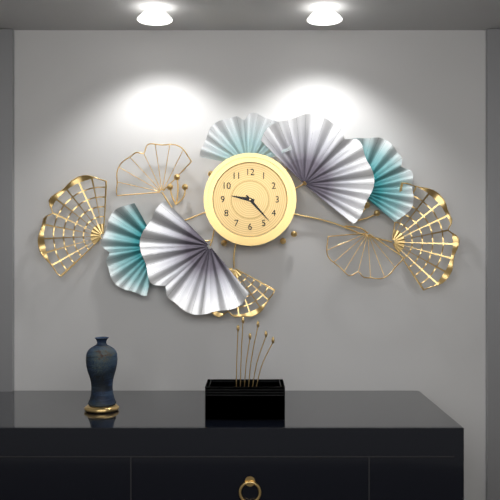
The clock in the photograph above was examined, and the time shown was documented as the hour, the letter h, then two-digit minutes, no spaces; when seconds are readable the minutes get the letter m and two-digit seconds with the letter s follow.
9h23
